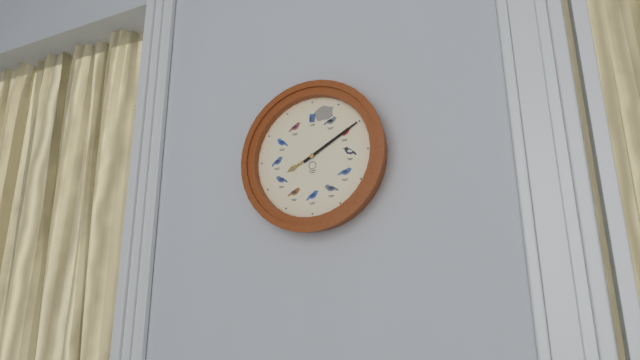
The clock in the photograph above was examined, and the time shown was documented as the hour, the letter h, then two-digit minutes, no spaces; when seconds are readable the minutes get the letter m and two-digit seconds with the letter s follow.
8h10
